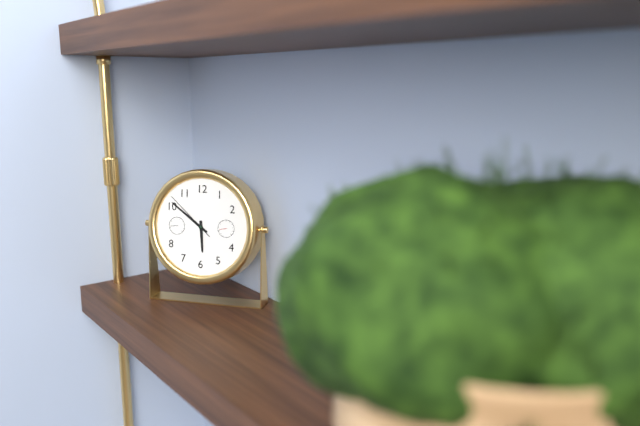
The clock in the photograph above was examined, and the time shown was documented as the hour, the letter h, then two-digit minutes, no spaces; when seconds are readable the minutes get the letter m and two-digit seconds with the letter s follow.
5h51m52s
